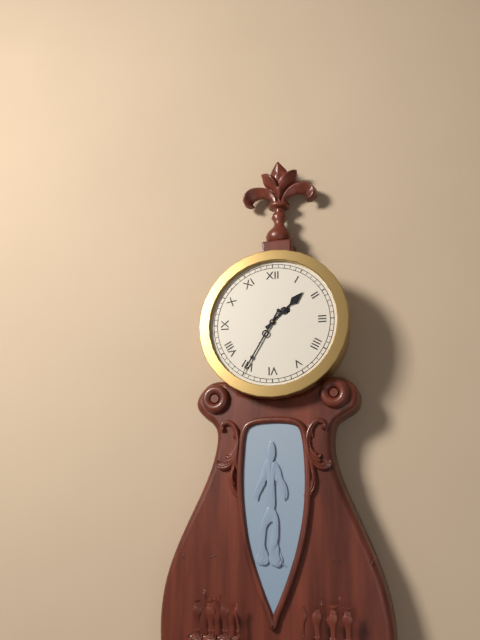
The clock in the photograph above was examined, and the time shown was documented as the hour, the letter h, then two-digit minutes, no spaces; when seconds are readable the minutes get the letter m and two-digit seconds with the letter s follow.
1h35
